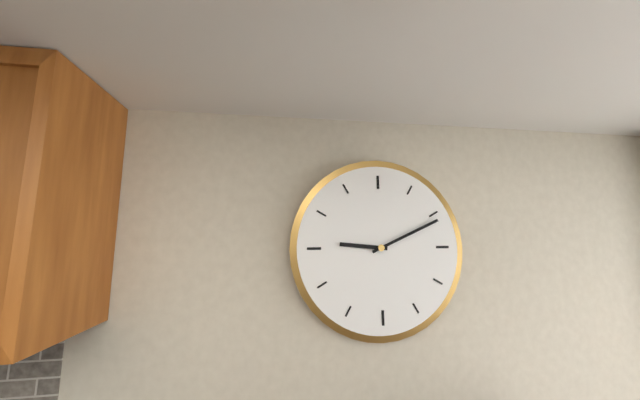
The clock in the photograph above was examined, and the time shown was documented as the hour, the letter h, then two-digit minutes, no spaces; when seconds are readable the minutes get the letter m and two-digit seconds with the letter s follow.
9h11
